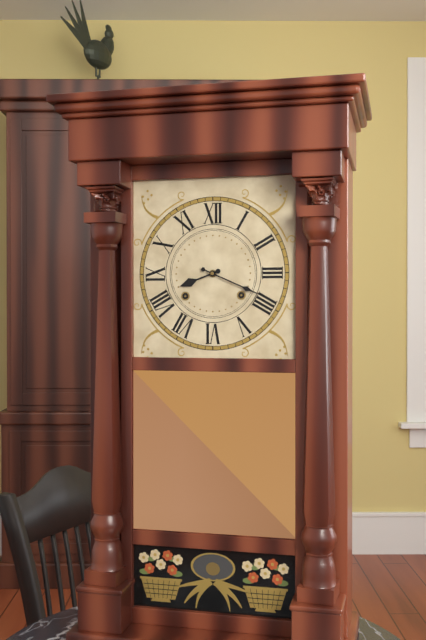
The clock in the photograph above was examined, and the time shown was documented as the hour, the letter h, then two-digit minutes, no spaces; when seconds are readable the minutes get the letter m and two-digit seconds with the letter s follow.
8h19
